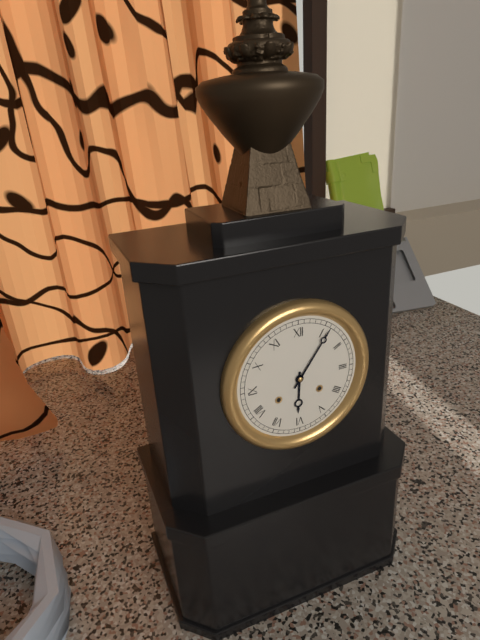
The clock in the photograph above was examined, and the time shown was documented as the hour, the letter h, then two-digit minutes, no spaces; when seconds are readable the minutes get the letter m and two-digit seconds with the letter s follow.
6h06
